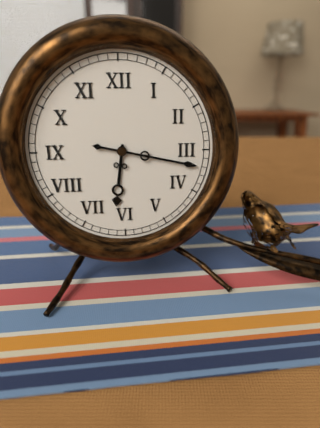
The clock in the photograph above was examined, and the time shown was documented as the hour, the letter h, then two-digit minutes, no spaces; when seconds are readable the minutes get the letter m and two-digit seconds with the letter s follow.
6h17
